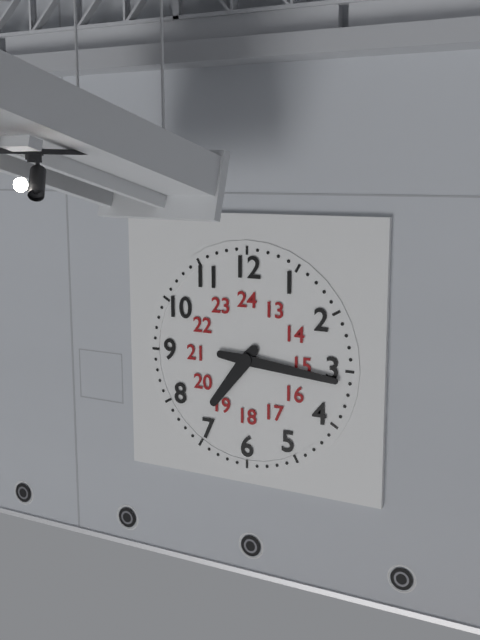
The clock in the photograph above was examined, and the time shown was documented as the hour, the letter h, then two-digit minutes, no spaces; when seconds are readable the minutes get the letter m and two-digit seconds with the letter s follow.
7h16
